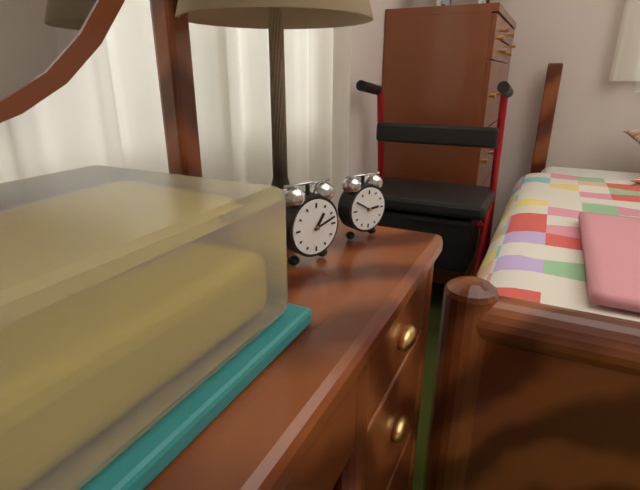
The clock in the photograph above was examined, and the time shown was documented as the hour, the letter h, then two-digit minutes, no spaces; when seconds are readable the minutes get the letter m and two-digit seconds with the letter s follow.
1h12
